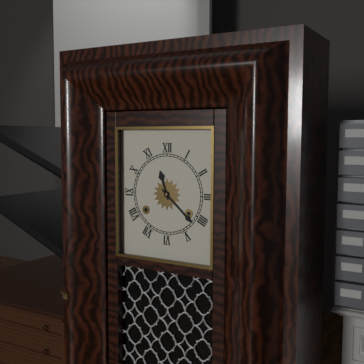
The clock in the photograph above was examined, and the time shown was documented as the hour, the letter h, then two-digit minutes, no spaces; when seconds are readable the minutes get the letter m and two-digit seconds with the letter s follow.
11h22
